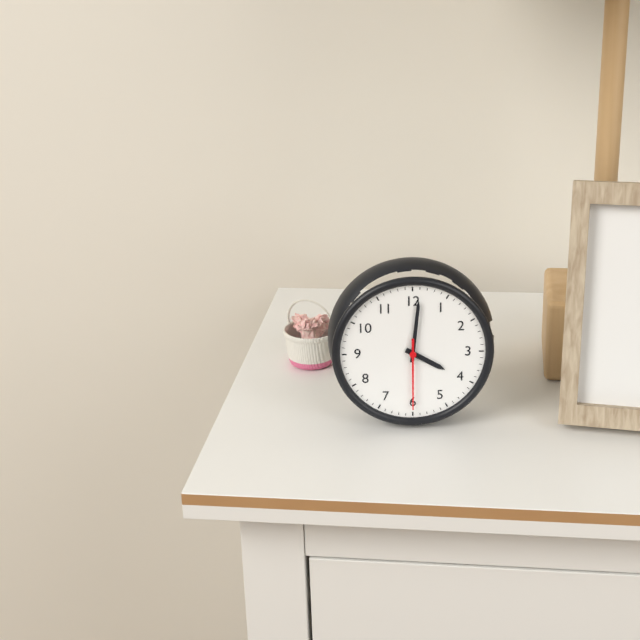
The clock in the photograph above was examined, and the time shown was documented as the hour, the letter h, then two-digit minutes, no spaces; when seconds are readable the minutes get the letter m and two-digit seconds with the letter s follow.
4h01m30s
